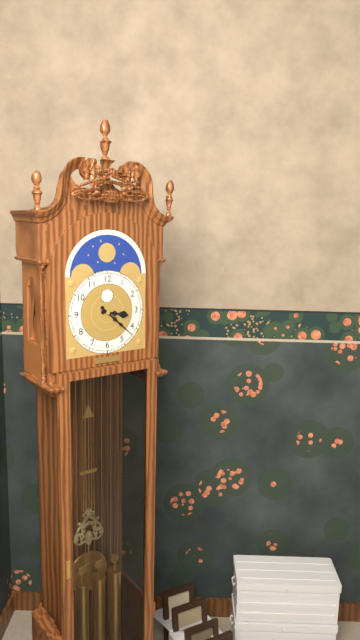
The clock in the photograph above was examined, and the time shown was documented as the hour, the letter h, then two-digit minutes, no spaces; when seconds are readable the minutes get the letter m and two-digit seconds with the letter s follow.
3h22
